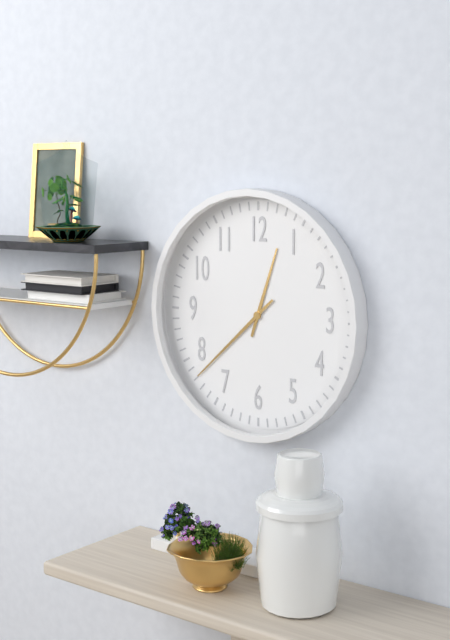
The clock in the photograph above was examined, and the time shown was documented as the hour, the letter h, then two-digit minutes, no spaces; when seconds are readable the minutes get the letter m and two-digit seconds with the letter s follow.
12h38
